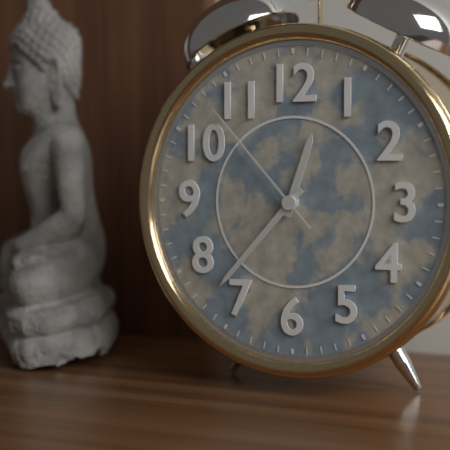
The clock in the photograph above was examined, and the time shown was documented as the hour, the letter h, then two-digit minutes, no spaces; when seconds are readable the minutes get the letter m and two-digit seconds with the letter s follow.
12h37m53s
